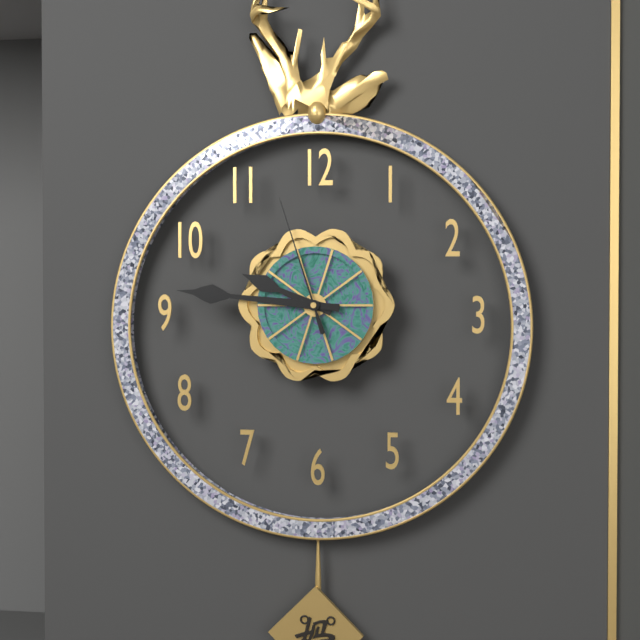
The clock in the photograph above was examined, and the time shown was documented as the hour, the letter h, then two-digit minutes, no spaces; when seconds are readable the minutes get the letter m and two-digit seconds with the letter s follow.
9h46m57s
